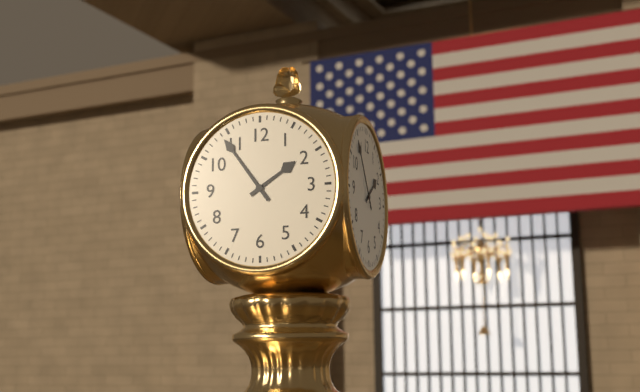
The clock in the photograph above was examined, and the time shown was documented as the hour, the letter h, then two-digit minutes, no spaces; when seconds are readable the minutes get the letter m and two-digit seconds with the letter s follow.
1h54
